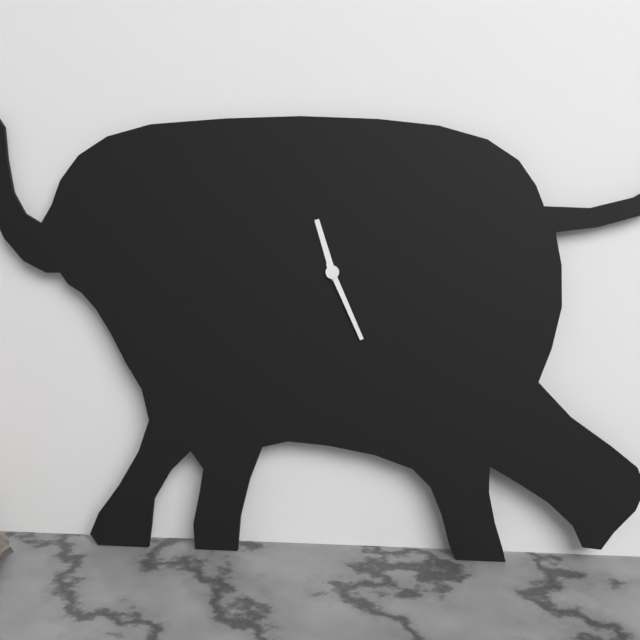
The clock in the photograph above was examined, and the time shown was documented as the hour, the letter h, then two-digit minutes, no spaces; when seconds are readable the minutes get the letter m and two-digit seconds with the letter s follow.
11h26
